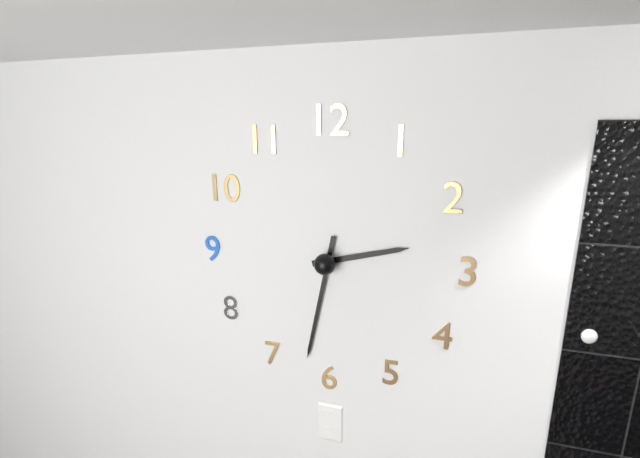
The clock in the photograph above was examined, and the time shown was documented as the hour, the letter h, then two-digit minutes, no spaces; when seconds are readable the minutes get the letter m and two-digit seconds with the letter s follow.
2h32
